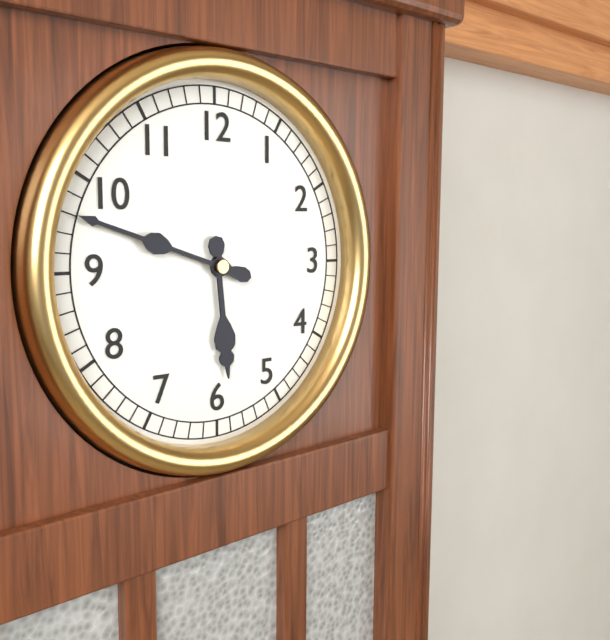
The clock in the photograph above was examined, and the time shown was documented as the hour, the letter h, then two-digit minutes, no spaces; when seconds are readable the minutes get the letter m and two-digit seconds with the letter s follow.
5h48
